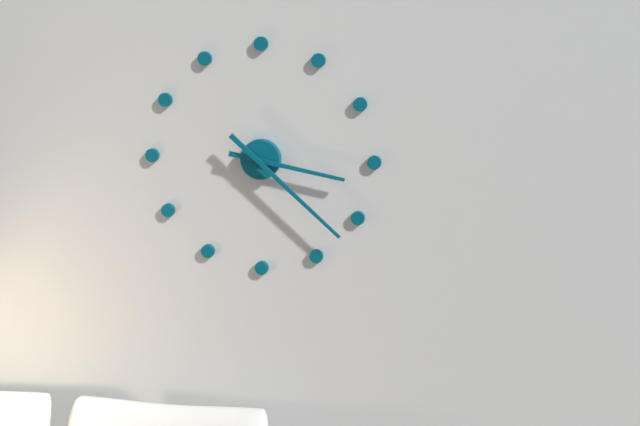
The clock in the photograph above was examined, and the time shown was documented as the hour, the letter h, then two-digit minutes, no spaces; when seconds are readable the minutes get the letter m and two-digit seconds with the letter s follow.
3h22
